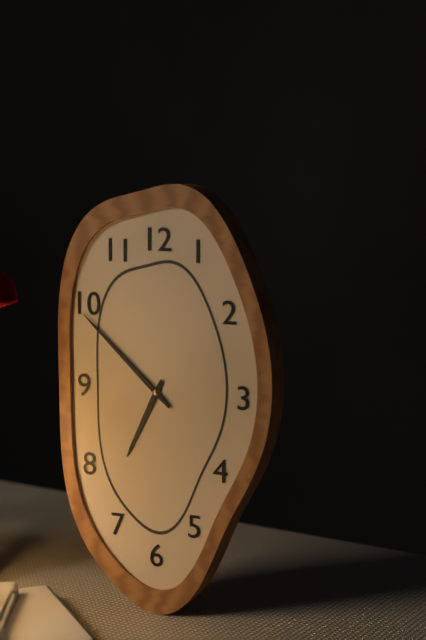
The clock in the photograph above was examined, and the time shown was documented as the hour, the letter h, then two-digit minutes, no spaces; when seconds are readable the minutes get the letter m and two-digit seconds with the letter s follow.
6h52
